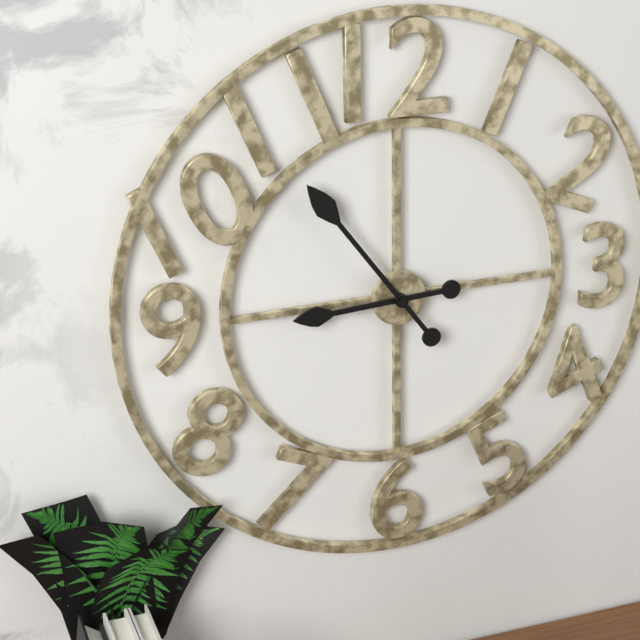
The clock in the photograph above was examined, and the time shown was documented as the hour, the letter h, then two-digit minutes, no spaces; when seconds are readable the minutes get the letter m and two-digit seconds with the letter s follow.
8h54
